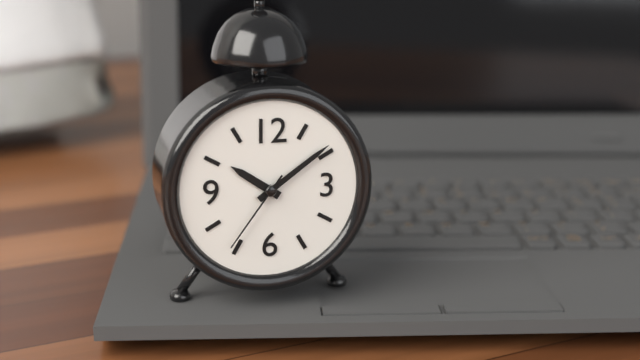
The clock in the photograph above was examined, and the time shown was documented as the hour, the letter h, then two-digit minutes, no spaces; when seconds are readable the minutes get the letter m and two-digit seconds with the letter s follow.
10h09m36s
